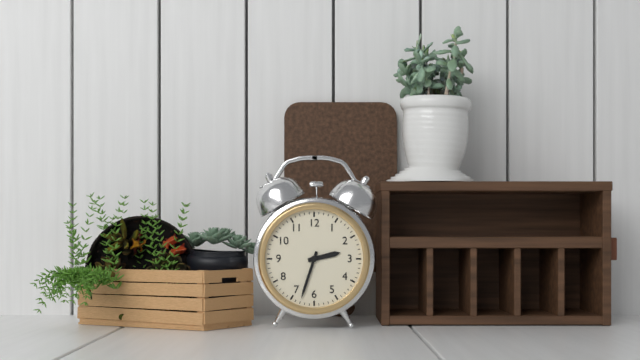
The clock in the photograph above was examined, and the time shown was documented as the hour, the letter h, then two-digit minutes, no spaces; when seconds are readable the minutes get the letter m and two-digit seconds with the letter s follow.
2h33
